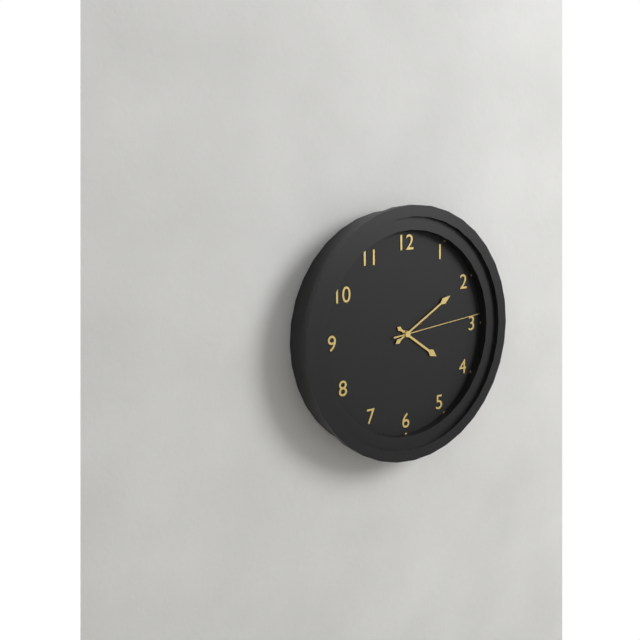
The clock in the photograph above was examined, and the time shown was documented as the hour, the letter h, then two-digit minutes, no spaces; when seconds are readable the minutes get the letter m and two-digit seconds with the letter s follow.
4h10m14s
